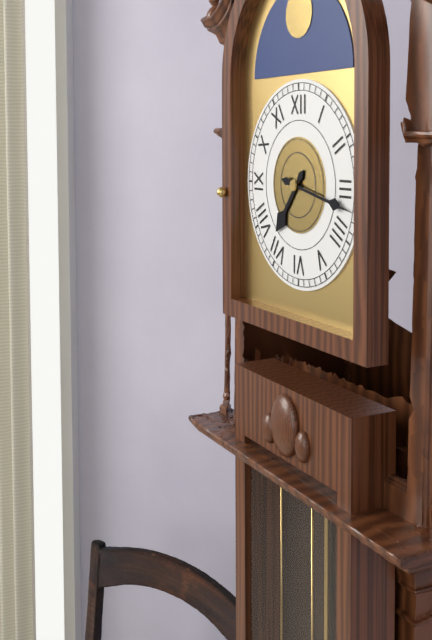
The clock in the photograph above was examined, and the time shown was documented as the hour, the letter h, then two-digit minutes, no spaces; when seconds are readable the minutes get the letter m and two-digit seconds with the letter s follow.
7h17
